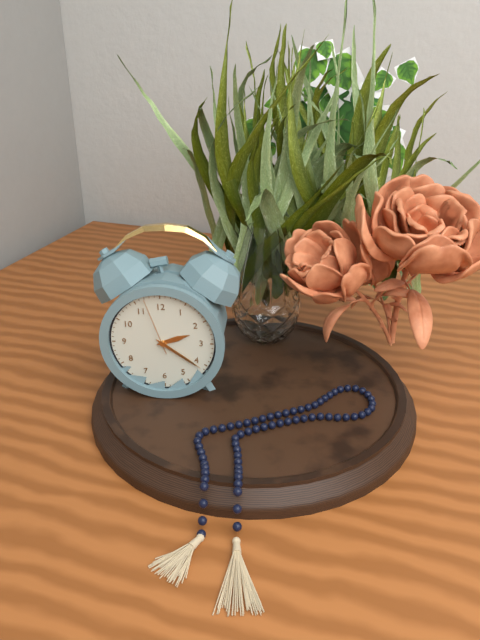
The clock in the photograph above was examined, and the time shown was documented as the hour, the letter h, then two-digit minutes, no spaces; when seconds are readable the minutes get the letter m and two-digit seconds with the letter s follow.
2h21m57s
